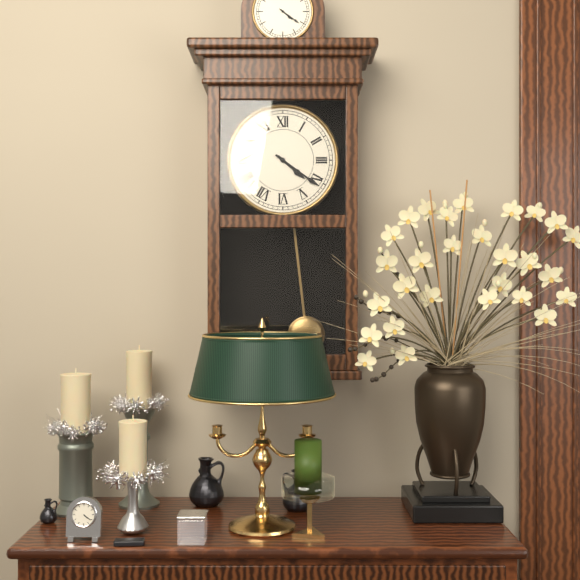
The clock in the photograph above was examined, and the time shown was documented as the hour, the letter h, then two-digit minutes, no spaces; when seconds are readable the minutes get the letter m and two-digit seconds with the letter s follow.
4h21
